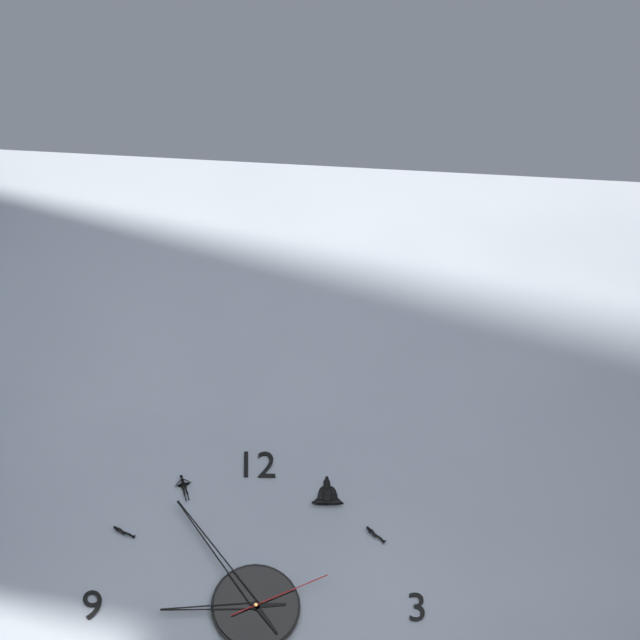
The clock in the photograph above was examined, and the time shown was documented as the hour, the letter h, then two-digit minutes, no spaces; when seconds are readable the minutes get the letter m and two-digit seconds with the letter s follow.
8h54m11s
